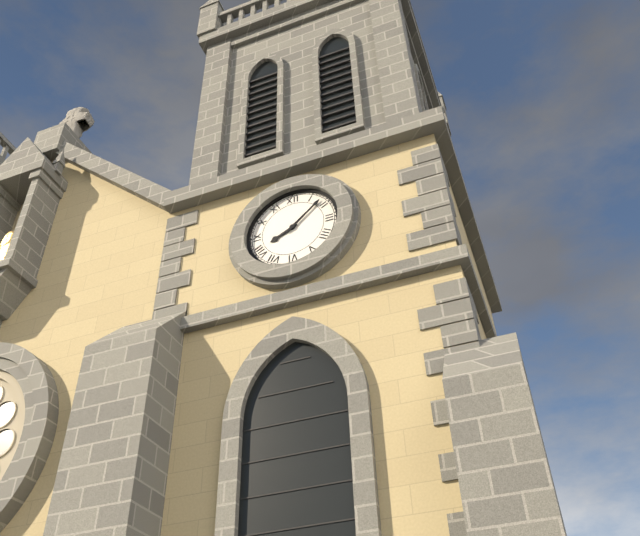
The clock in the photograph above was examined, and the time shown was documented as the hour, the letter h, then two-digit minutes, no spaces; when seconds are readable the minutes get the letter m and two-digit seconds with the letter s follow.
8h08
